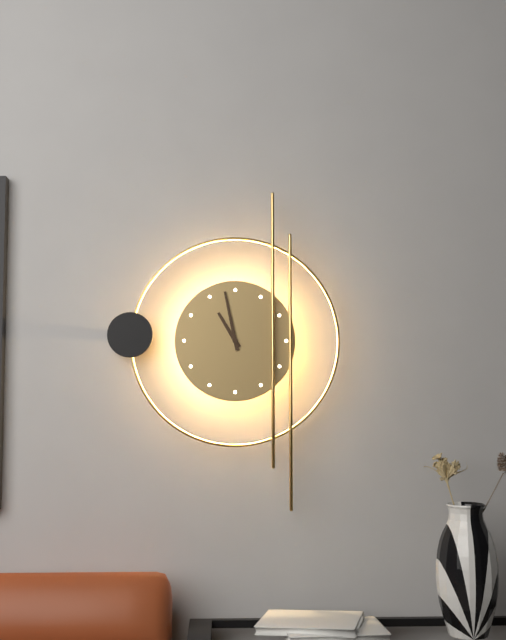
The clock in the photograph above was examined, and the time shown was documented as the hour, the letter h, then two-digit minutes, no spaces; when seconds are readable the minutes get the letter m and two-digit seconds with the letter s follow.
10h58
